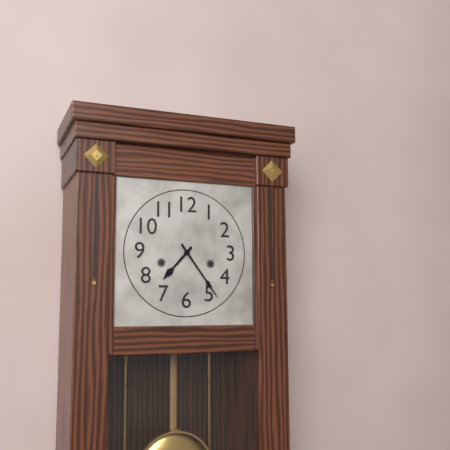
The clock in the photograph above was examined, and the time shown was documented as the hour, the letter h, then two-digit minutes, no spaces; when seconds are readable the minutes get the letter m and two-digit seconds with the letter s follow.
7h24
